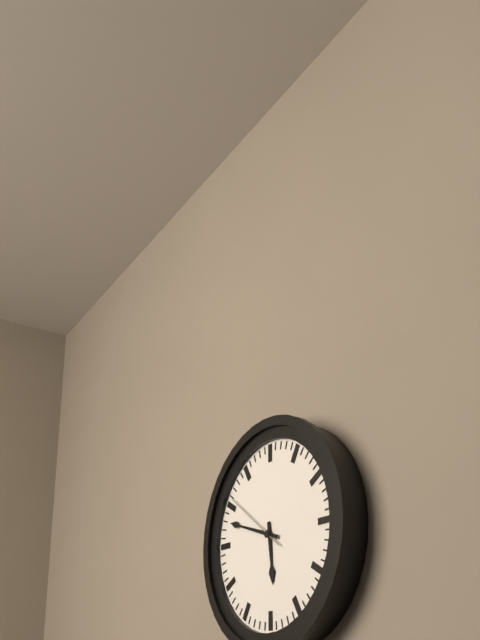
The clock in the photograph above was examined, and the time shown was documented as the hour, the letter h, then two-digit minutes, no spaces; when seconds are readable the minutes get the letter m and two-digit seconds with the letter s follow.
5h48m51s
